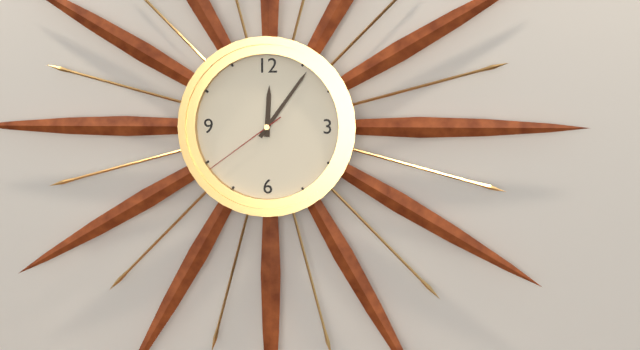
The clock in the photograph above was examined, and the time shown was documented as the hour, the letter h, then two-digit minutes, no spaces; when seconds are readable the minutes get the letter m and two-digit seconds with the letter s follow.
12h06m39s
